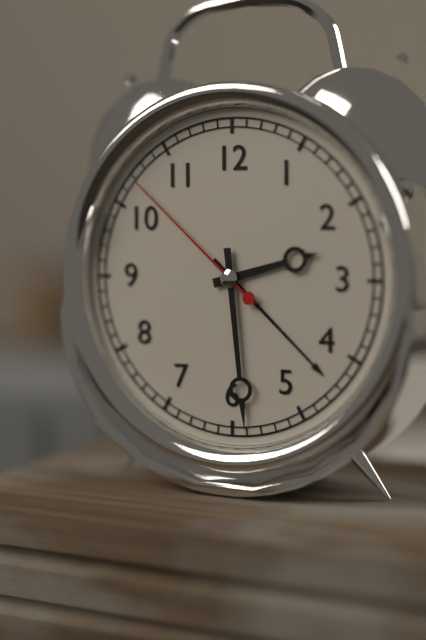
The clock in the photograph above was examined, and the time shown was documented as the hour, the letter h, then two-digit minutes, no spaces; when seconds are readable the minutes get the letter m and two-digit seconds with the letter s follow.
2h29m52s
